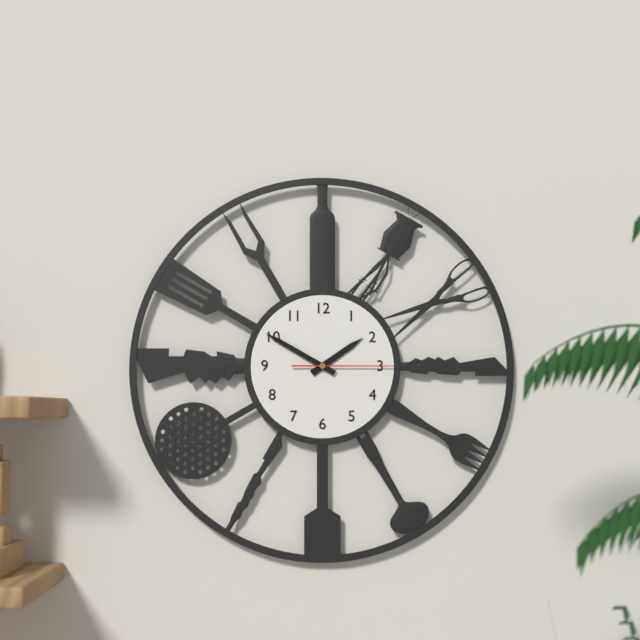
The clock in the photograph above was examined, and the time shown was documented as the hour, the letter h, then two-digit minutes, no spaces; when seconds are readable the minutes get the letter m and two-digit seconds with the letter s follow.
1h50m15s
